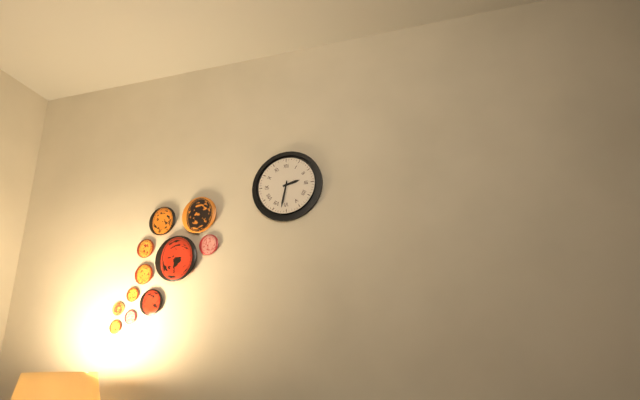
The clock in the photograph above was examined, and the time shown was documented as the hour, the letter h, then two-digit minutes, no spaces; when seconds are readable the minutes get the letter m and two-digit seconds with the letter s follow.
2h32
